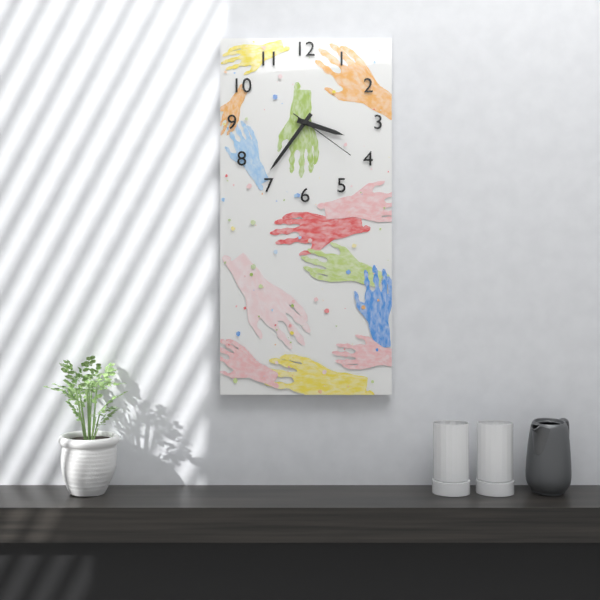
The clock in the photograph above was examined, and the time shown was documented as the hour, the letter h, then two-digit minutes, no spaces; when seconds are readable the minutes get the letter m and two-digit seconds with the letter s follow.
3h36m21s
